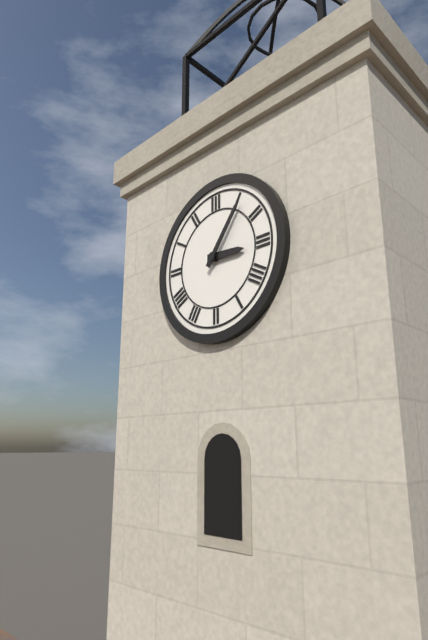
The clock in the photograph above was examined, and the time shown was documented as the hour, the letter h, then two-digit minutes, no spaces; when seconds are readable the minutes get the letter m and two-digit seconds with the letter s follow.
3h06
